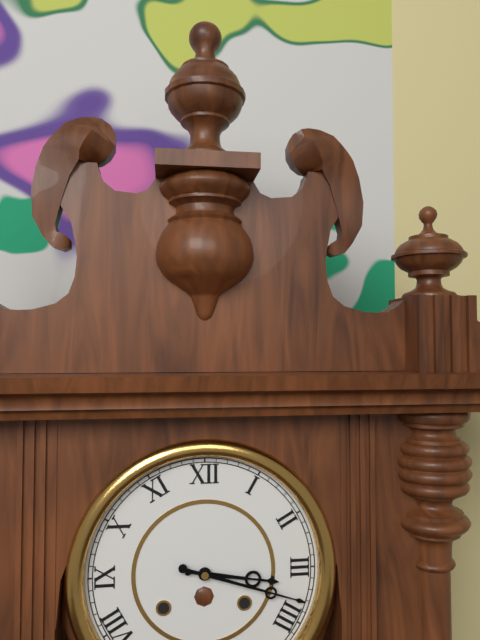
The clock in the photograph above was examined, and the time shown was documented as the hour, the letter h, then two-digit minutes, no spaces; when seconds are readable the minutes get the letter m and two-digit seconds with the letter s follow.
3h18
